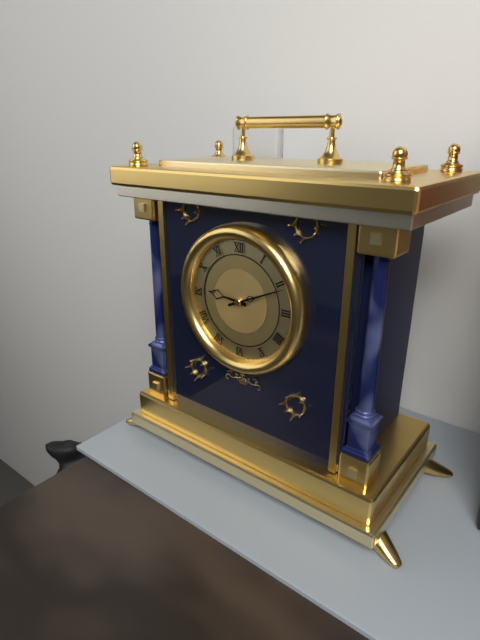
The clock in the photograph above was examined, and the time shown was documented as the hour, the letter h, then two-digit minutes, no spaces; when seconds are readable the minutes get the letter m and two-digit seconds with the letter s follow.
9h11
